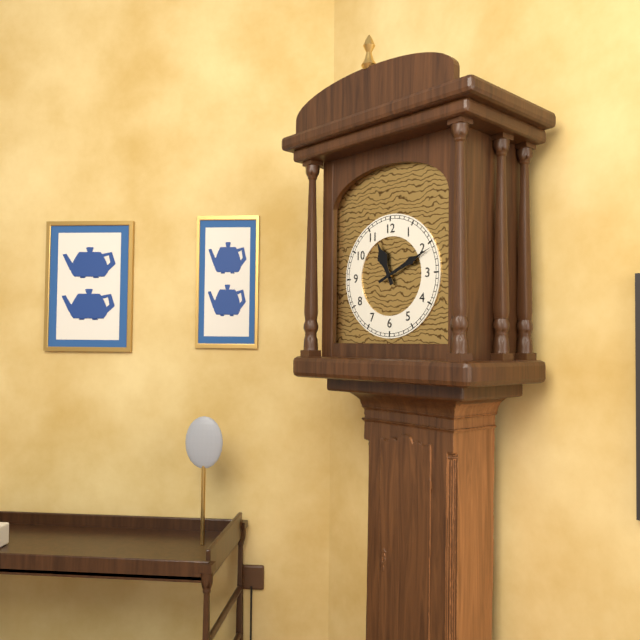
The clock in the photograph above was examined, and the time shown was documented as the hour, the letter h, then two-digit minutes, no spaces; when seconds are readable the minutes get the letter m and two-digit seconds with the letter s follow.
11h11
